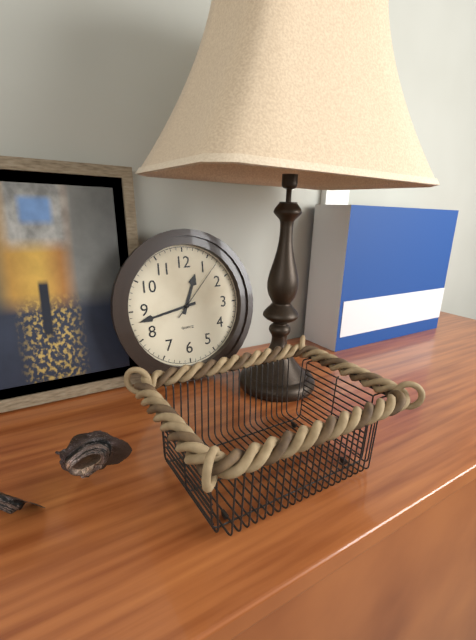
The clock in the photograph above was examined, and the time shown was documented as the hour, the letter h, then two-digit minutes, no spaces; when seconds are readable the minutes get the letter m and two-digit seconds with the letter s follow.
12h43m07s
